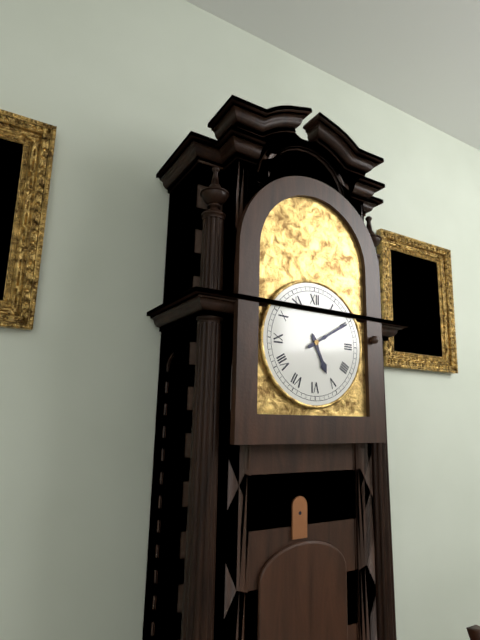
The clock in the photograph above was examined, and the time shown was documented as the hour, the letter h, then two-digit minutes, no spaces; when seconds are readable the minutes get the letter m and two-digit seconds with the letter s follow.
5h10
